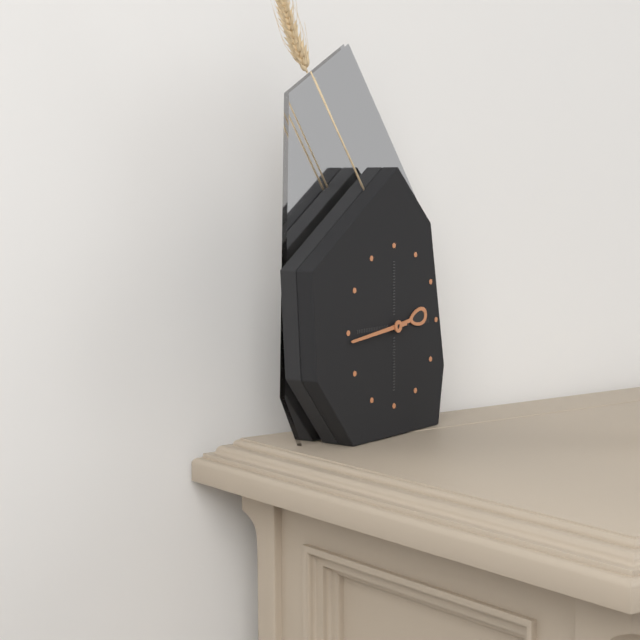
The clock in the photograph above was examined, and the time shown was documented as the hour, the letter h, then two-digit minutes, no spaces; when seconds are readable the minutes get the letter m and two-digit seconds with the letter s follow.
2h44
